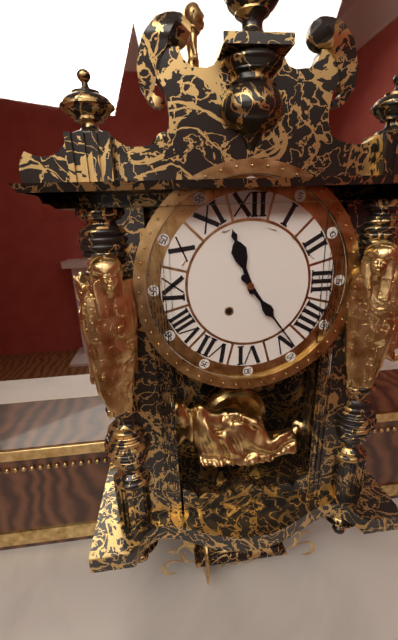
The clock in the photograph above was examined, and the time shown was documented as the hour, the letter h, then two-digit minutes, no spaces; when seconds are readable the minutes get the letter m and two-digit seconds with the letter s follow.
11h24
